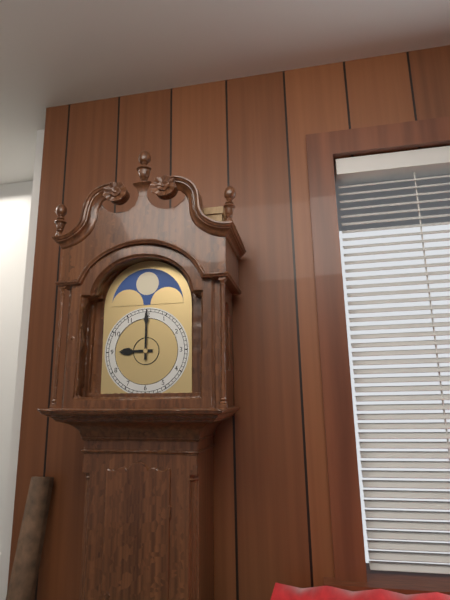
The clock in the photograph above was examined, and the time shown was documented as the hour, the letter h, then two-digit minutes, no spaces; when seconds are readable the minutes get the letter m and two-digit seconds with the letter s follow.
9h00
